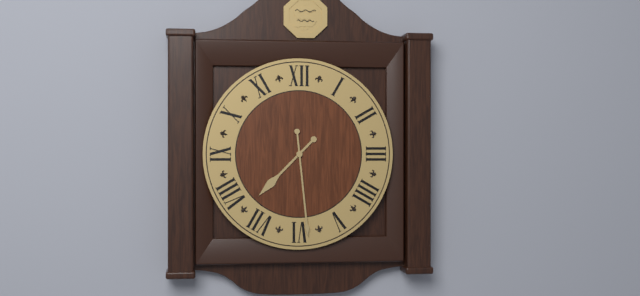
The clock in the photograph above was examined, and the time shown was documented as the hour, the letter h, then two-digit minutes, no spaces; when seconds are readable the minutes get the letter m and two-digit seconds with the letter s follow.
7h29
